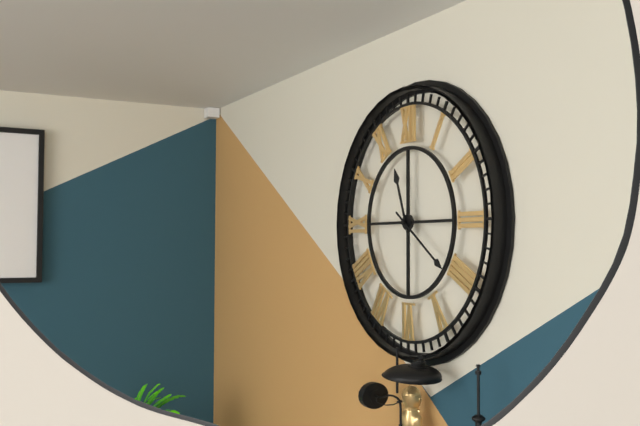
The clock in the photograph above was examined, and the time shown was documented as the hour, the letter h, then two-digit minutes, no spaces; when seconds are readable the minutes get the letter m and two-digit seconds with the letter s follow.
11h21
